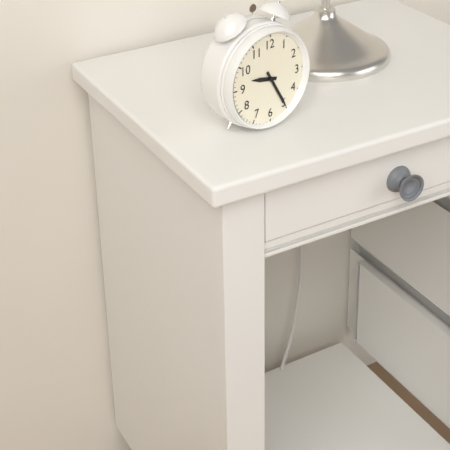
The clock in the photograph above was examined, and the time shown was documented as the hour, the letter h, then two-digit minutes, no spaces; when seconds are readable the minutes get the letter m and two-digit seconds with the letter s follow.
9h25
